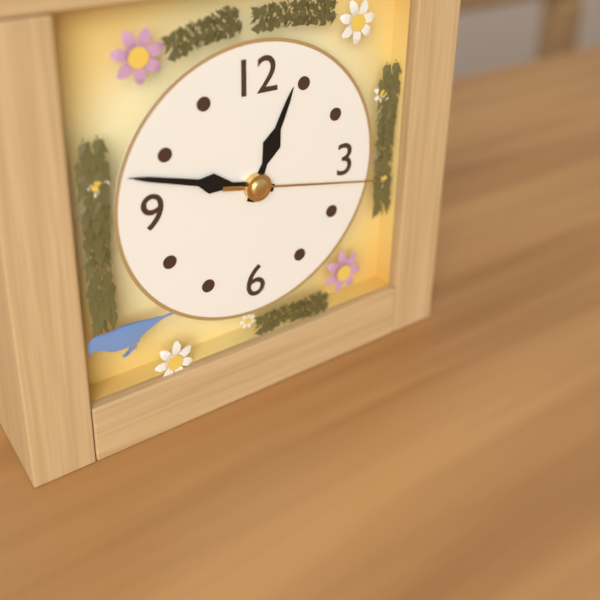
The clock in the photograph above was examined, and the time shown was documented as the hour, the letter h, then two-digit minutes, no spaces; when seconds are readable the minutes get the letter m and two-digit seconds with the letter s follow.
12h48m17s
